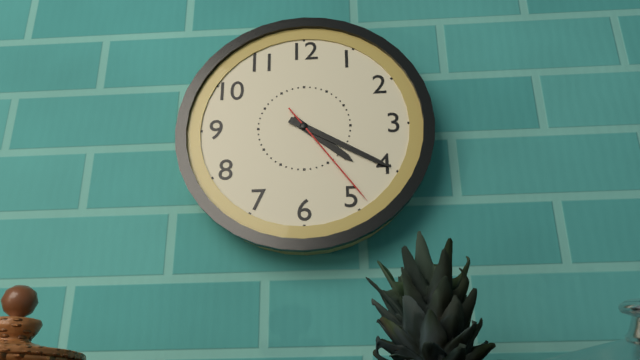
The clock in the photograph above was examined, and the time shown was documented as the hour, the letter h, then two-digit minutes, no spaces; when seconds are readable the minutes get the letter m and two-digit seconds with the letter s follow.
4h20m24s
